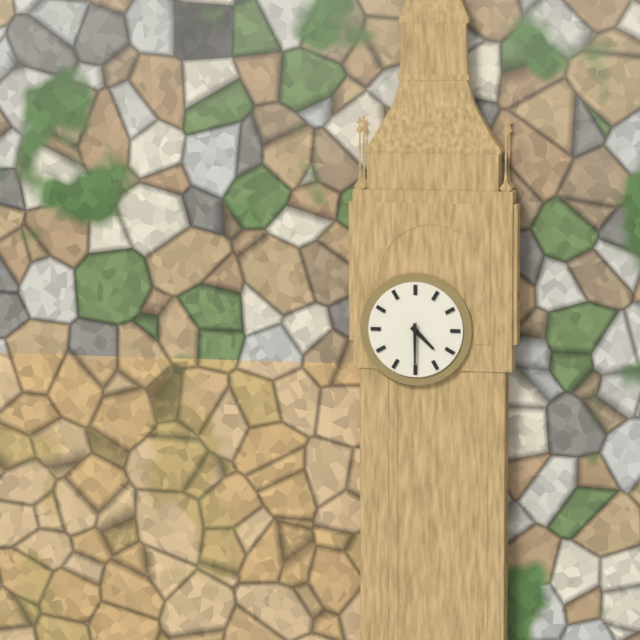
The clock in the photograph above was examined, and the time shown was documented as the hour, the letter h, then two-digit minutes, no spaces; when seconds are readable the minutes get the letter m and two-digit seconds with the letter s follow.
4h30
